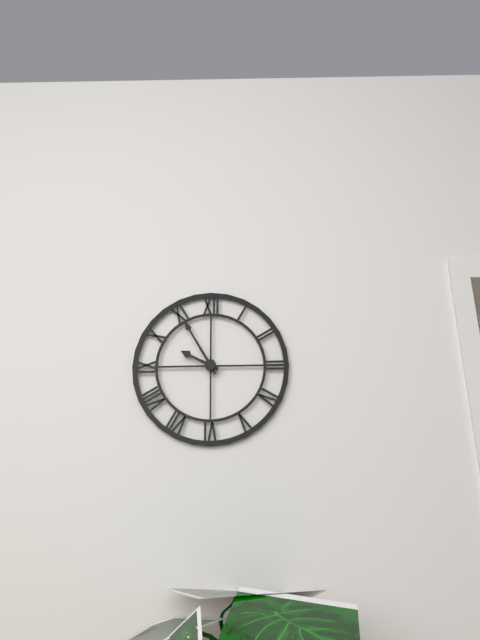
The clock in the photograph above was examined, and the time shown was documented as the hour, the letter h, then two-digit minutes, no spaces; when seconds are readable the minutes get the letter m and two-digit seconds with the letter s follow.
9h55
